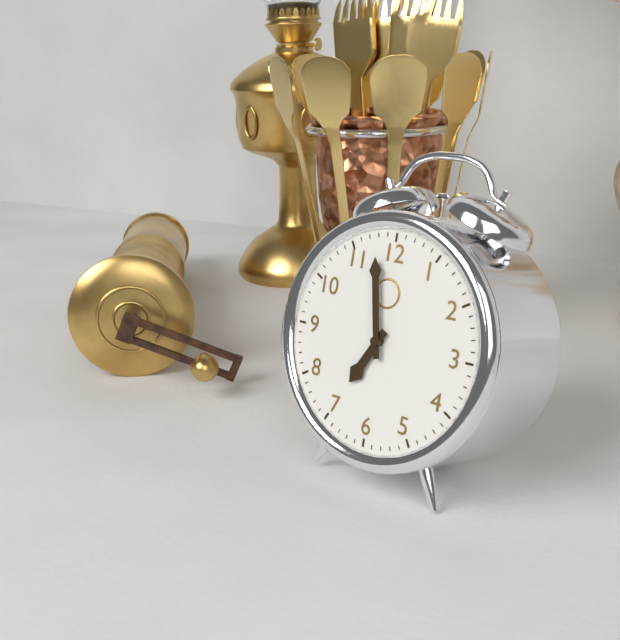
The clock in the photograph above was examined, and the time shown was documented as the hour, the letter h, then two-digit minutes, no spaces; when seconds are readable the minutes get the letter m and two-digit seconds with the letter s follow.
6h58
